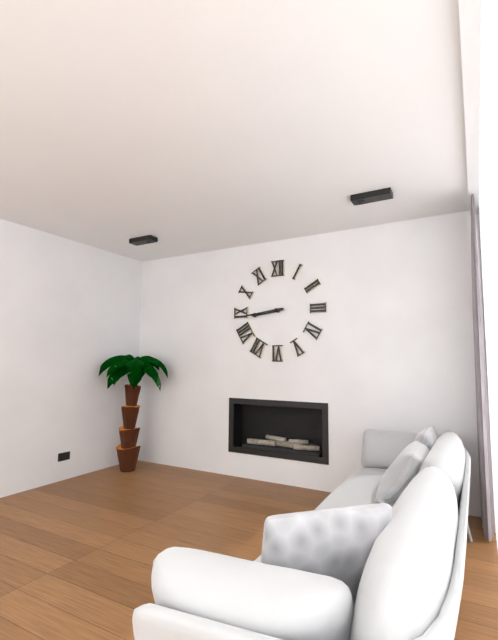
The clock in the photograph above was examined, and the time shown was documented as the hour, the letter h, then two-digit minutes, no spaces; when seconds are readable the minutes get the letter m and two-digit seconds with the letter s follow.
8h44
